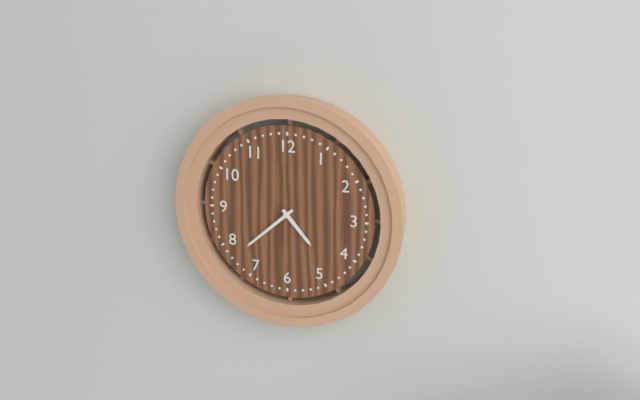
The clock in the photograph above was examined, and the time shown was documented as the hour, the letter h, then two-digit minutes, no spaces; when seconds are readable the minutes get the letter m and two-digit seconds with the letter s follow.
4h38
